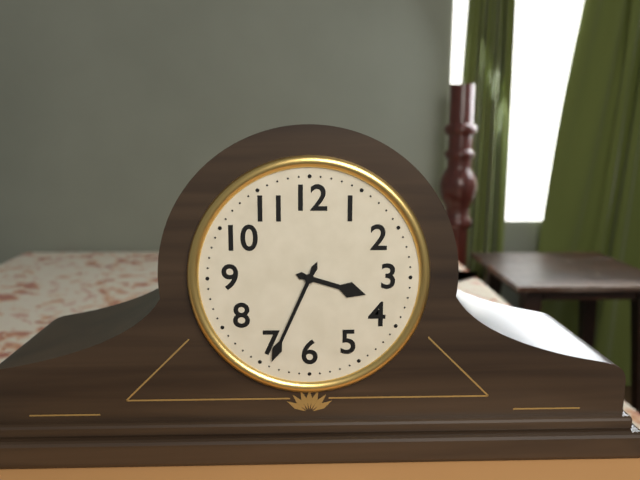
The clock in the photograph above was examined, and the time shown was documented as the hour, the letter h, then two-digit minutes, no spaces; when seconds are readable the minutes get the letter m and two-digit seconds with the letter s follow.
3h34
